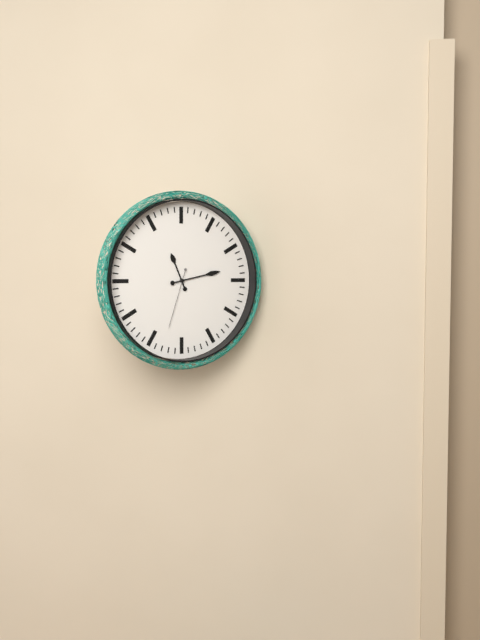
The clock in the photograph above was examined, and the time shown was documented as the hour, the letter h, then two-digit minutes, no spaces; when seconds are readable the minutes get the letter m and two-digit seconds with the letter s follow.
11h13m33s
